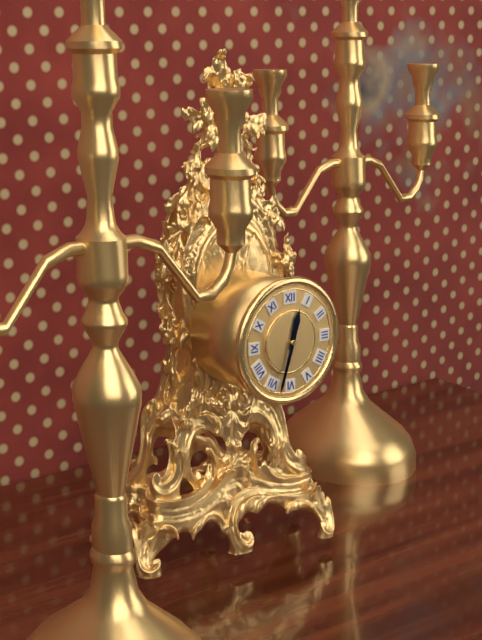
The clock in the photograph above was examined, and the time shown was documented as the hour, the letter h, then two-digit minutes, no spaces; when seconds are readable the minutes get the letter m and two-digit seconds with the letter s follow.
12h33
